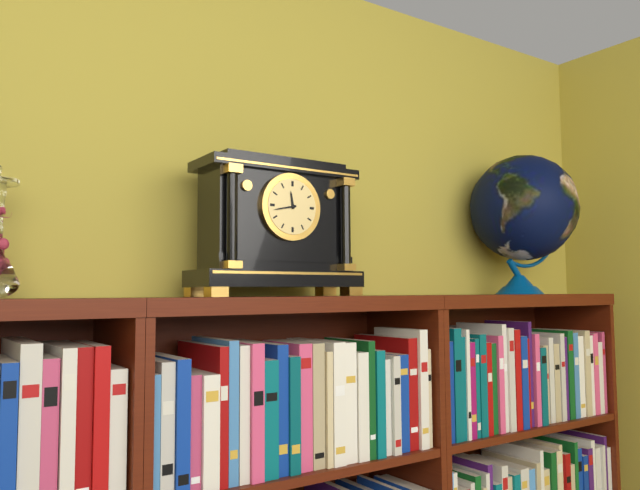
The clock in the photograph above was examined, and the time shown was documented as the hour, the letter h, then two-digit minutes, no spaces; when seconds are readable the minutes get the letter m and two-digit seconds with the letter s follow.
11h43
